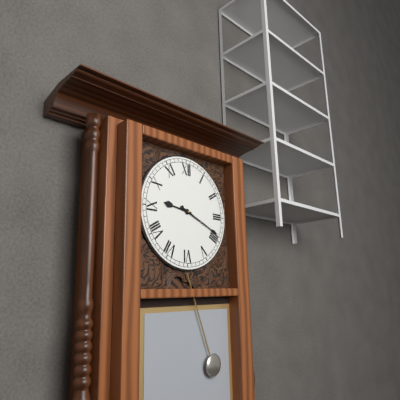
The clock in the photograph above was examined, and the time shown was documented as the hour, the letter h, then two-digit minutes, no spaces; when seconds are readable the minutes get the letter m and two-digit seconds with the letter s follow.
9h19
